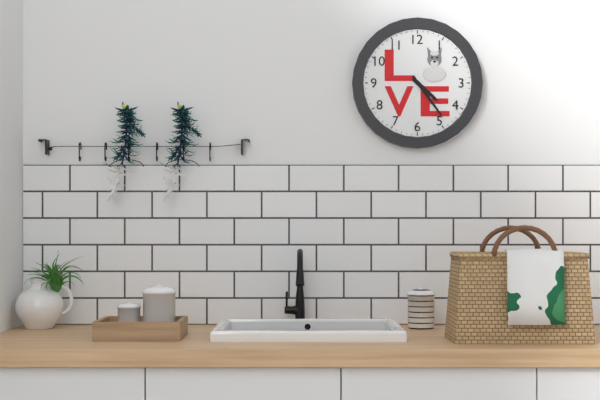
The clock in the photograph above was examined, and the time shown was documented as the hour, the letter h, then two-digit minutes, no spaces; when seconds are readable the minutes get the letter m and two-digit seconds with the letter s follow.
4h24
